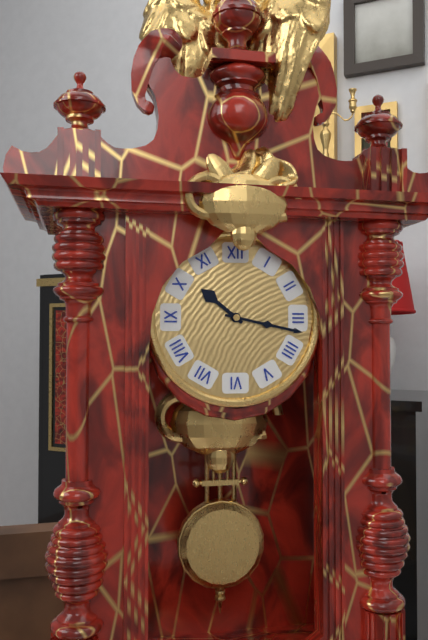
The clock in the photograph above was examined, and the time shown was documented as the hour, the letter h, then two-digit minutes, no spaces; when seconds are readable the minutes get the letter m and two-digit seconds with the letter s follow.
10h17
